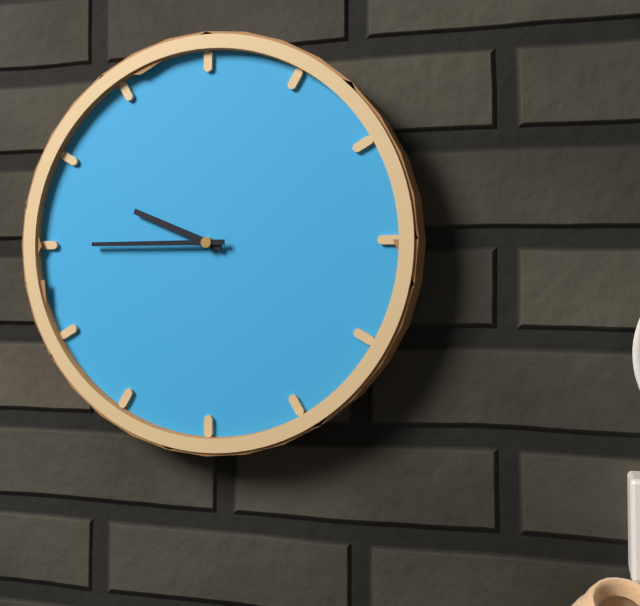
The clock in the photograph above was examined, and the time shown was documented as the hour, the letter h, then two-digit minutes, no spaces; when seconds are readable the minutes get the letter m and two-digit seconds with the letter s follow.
9h45
